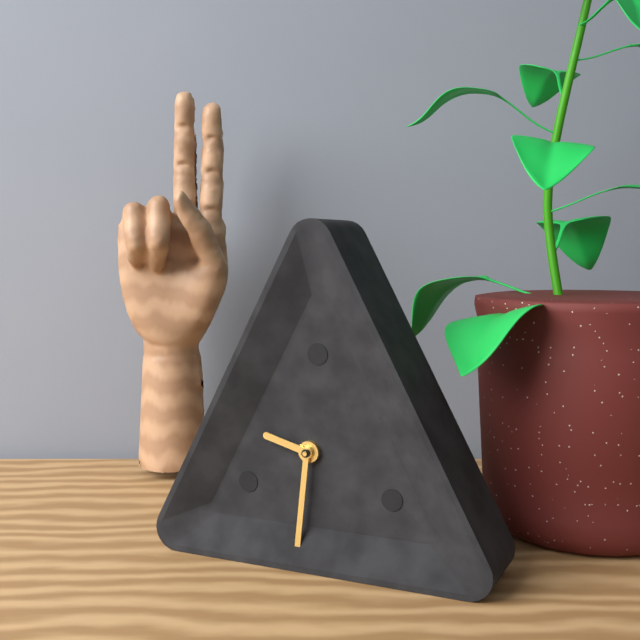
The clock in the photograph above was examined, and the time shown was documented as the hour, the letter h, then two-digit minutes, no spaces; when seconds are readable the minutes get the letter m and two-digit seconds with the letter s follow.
9h31
